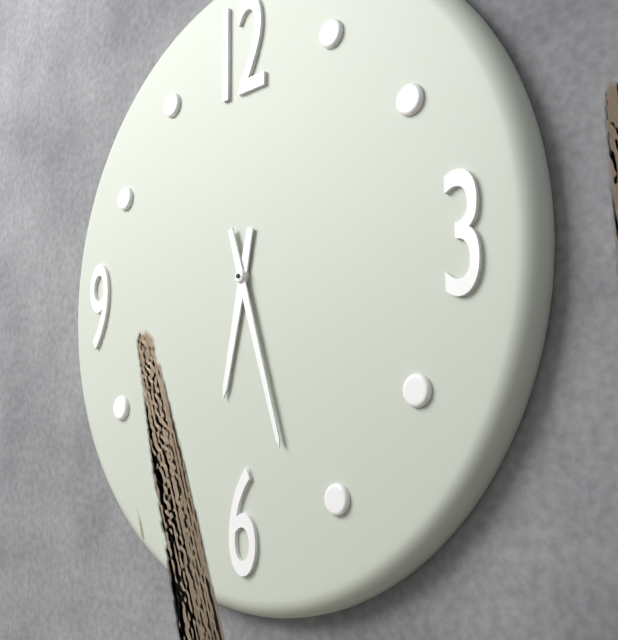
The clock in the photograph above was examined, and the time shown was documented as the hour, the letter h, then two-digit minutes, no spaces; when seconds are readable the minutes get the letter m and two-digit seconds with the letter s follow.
6h27
